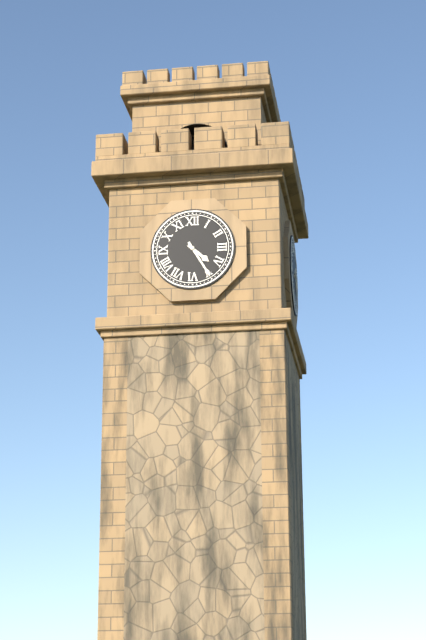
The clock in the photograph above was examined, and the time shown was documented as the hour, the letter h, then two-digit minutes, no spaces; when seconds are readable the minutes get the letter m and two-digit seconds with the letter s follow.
4h25
